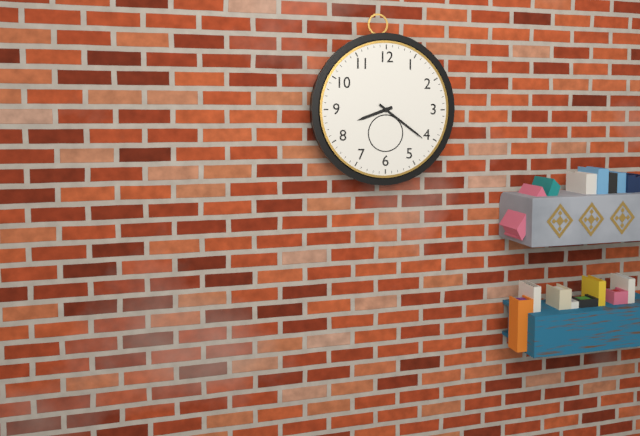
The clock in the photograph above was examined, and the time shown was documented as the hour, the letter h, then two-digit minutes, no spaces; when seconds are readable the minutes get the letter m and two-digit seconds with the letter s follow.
8h21
